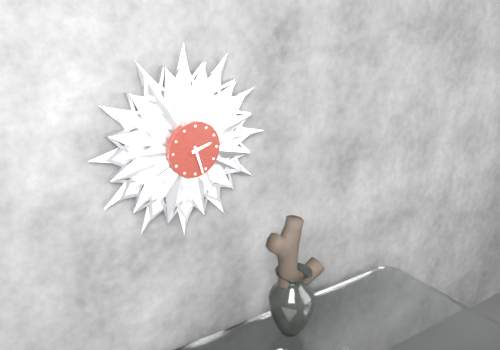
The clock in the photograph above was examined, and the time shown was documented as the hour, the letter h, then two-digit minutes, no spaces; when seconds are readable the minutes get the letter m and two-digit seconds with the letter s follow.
2h27
